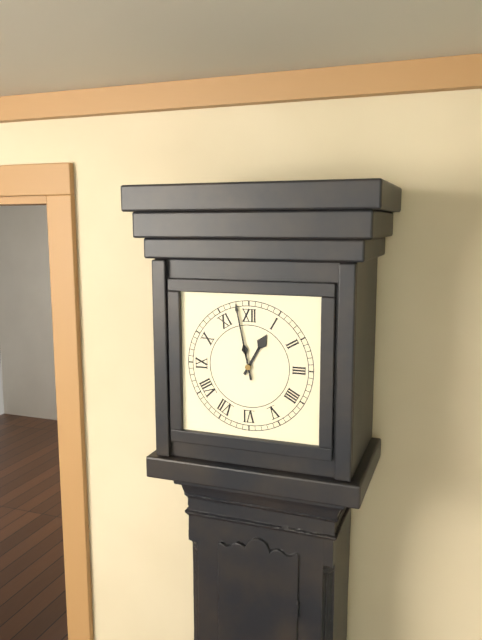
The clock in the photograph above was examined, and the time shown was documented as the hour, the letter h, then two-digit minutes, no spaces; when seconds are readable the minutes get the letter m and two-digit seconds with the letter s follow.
12h58
